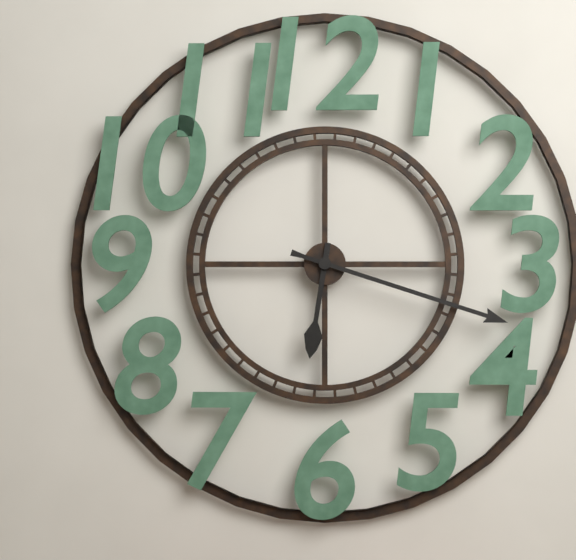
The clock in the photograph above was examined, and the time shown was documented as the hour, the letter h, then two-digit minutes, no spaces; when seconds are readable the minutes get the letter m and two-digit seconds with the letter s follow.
6h18
